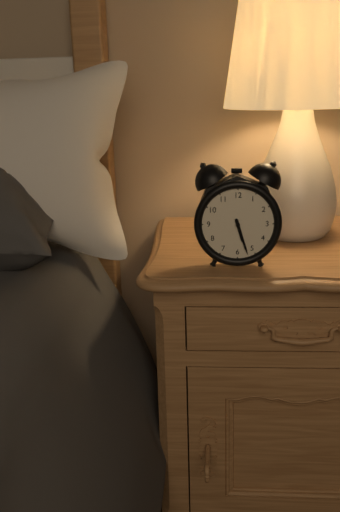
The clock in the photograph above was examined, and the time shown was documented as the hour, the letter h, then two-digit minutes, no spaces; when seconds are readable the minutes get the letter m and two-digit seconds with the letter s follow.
5h27
